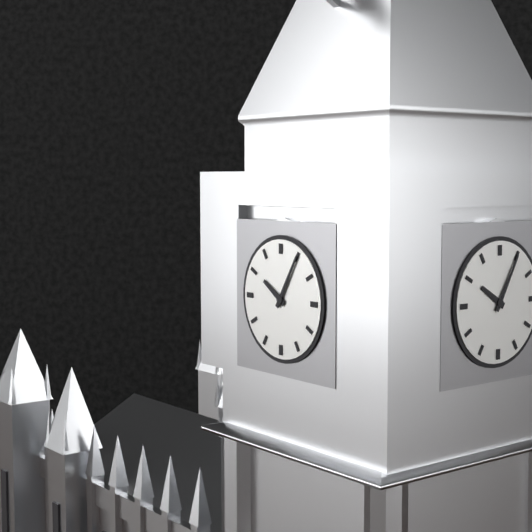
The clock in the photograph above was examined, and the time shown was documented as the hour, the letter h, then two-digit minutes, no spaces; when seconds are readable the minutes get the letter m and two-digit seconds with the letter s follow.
10h05
